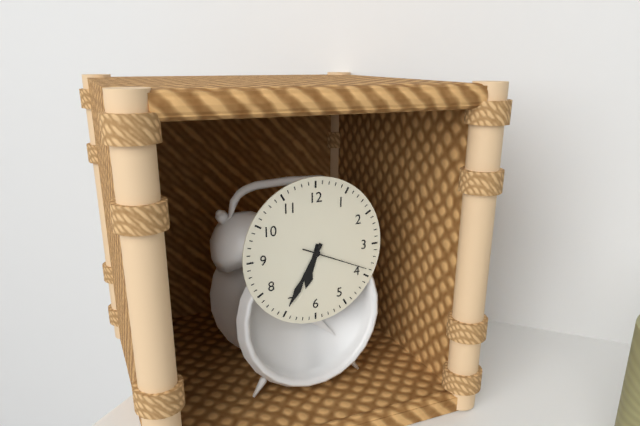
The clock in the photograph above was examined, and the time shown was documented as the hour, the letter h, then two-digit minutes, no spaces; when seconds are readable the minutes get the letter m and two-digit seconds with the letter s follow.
6h35m19s
